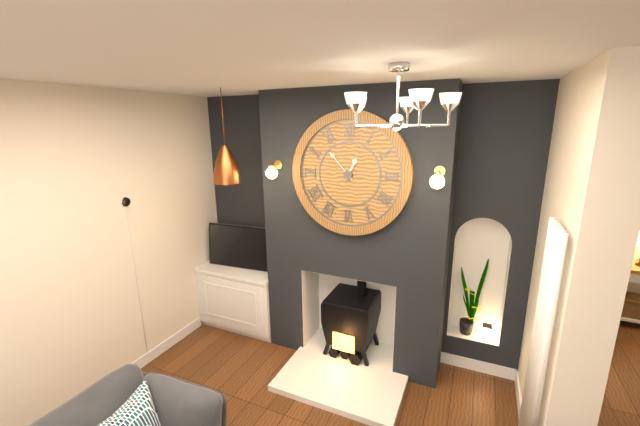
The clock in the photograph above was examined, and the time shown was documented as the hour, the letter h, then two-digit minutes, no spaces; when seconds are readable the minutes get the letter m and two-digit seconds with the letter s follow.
12h53
